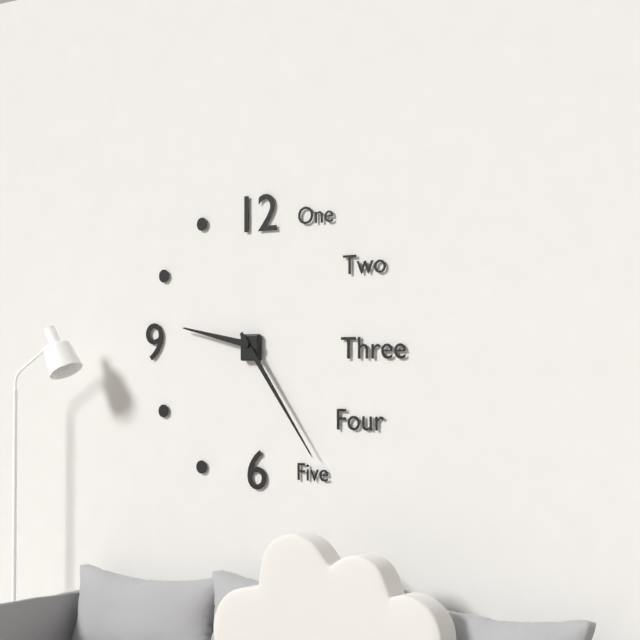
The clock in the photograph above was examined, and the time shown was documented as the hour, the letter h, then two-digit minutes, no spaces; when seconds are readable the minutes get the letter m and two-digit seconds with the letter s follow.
9h24
